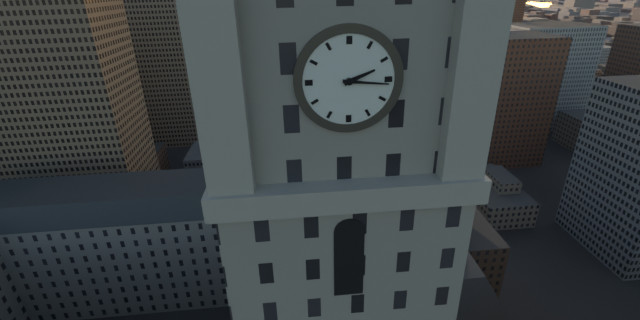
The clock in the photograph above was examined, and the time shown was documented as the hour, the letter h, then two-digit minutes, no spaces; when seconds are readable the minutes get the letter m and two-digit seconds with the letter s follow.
2h16
